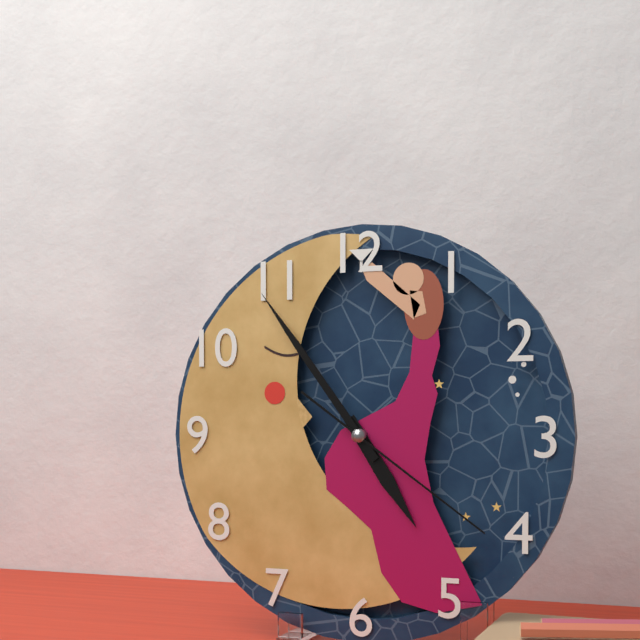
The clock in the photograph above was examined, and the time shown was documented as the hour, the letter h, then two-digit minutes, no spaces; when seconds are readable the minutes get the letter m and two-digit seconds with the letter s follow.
4h54m21s
